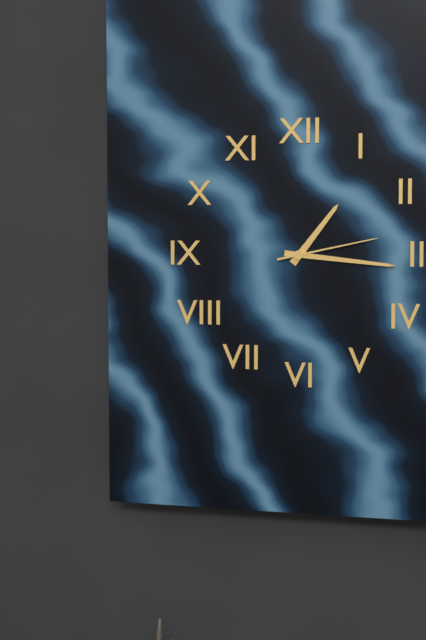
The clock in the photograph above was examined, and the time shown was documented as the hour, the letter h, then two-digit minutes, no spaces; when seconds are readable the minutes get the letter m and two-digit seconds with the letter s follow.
1h16m13s
